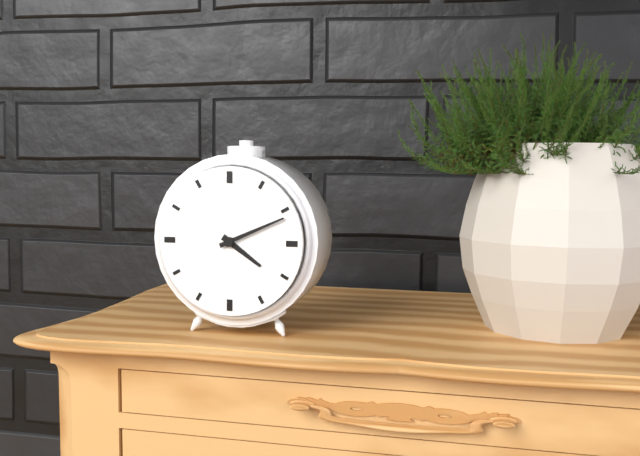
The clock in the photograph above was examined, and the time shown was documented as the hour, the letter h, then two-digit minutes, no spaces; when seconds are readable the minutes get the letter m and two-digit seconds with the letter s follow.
4h11
